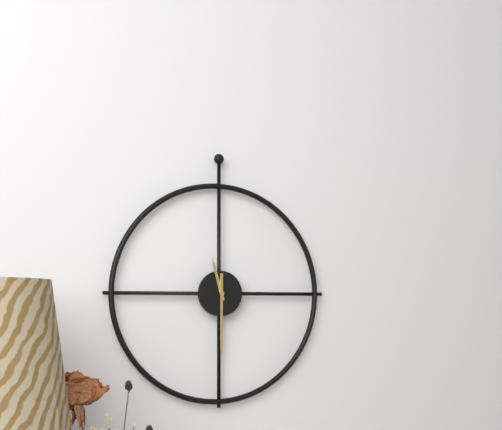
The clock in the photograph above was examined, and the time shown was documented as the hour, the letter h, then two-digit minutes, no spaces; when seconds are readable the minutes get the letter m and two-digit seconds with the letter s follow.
11h30
